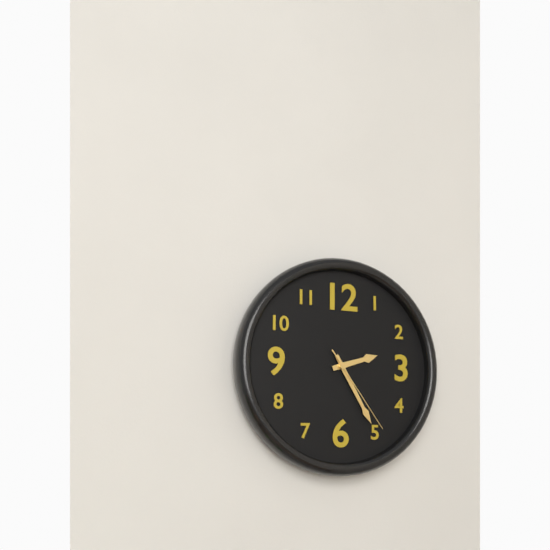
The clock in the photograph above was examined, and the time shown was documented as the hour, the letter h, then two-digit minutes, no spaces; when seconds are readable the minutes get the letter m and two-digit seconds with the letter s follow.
2h25m24s
